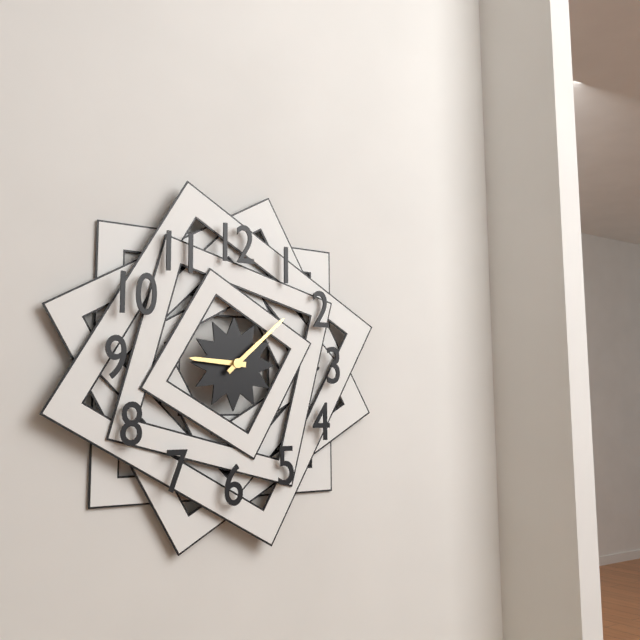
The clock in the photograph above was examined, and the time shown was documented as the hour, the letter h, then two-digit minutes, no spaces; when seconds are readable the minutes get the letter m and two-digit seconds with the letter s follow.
9h08
